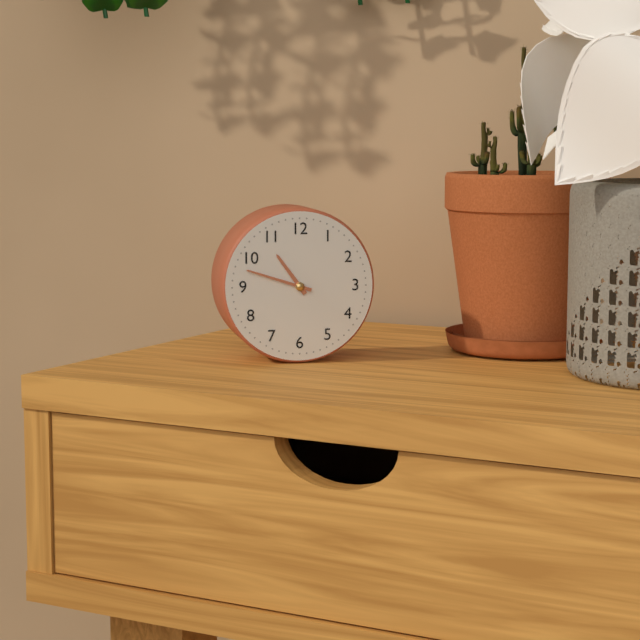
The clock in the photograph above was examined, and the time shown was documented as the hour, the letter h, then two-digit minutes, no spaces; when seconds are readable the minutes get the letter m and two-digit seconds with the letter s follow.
10h48
